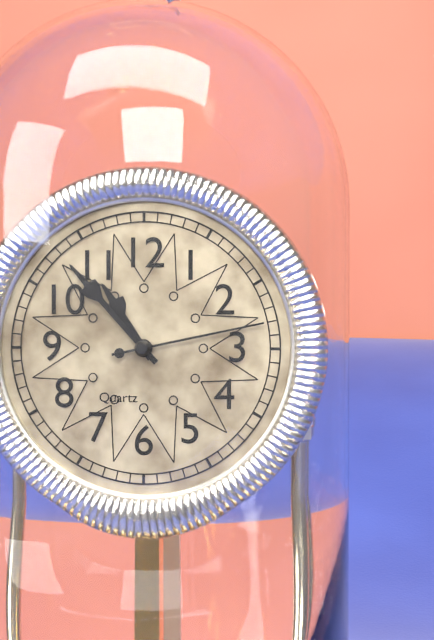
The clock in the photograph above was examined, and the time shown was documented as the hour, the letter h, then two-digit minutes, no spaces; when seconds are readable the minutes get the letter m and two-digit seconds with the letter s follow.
10h53m13s
